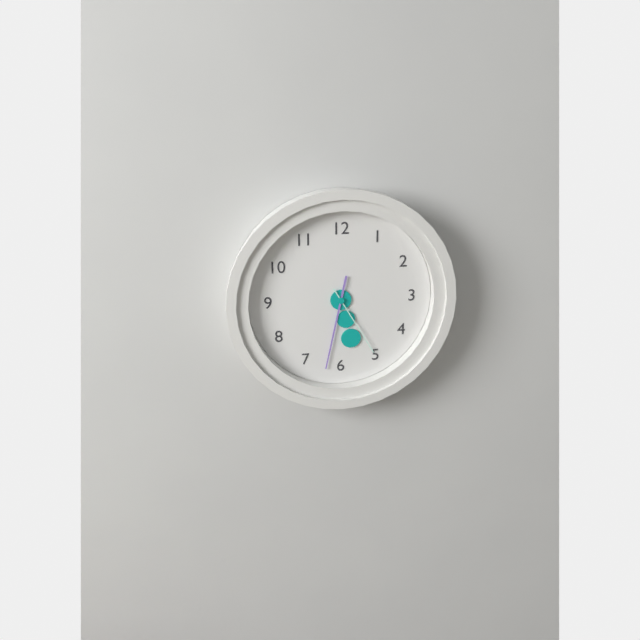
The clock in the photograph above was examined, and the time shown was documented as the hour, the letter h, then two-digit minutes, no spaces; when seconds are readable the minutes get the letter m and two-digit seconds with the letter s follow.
5h32m25s
